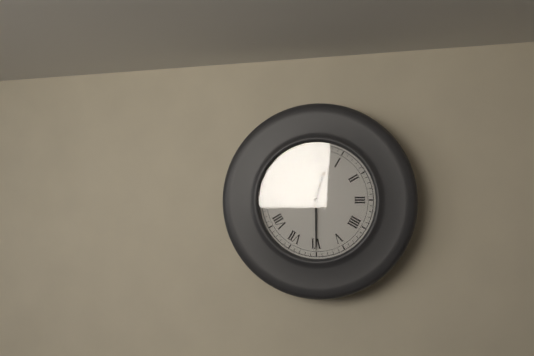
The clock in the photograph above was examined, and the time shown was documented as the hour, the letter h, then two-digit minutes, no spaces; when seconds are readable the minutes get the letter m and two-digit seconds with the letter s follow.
12h30
